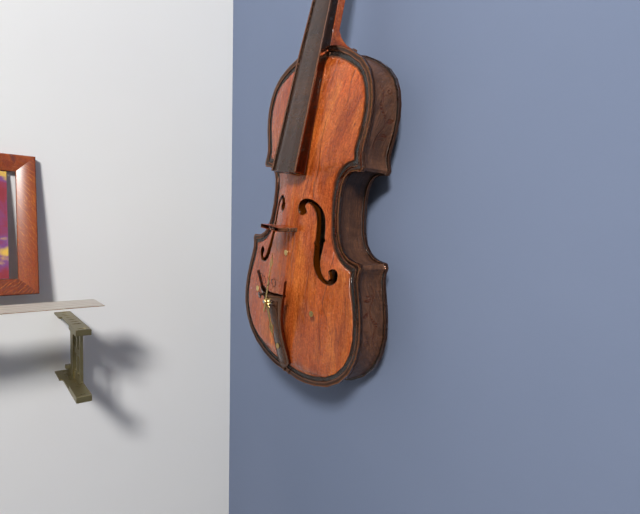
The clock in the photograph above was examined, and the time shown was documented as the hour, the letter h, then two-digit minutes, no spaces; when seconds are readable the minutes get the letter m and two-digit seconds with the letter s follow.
5h01
